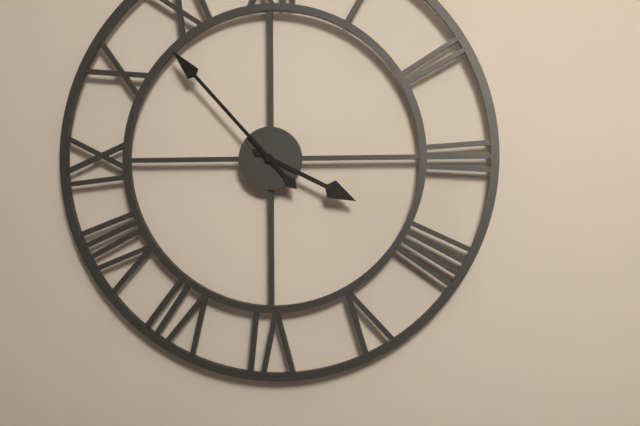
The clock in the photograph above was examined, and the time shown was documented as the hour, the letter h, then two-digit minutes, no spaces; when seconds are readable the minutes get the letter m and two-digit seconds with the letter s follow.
3h53
